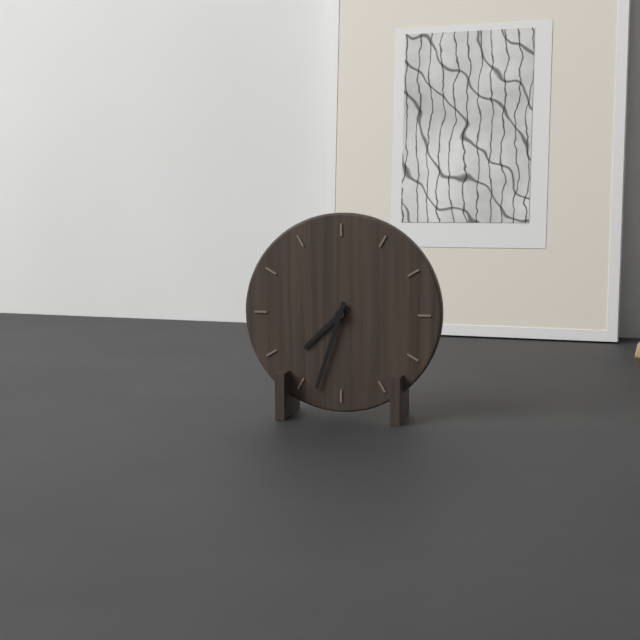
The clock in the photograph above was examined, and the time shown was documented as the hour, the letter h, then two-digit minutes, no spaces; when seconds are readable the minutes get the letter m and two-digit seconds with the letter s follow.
7h33
